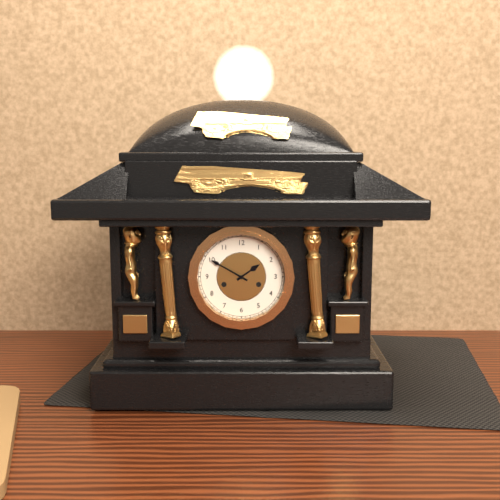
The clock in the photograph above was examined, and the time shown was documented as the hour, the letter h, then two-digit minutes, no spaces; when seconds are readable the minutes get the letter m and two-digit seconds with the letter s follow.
1h50
